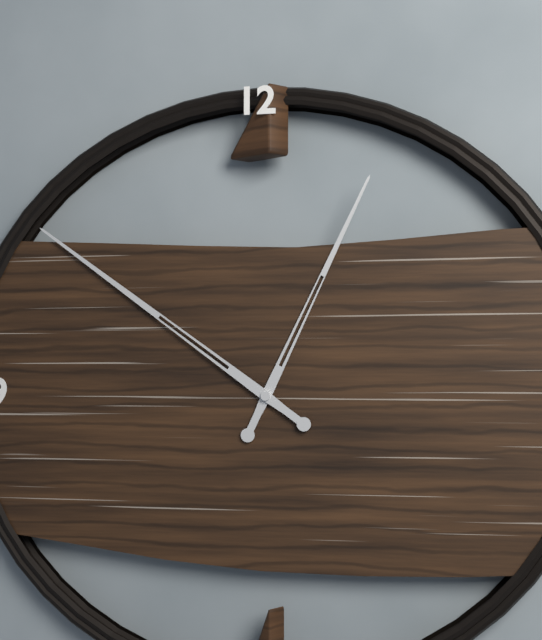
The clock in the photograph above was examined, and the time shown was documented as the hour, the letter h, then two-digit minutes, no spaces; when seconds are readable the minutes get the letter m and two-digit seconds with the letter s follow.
12h51
